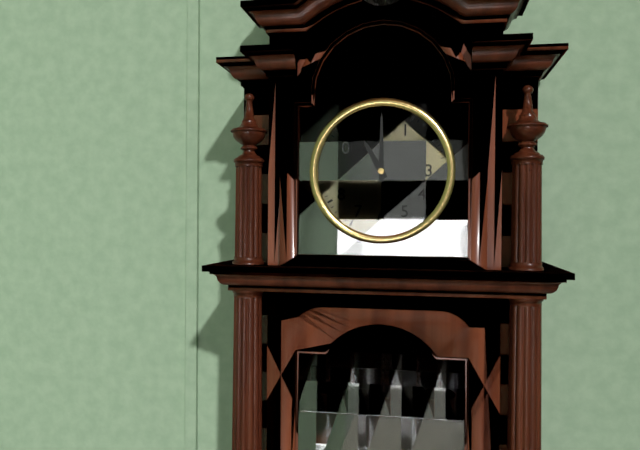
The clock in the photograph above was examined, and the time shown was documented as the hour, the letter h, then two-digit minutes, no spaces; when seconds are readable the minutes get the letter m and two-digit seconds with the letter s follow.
11h00
